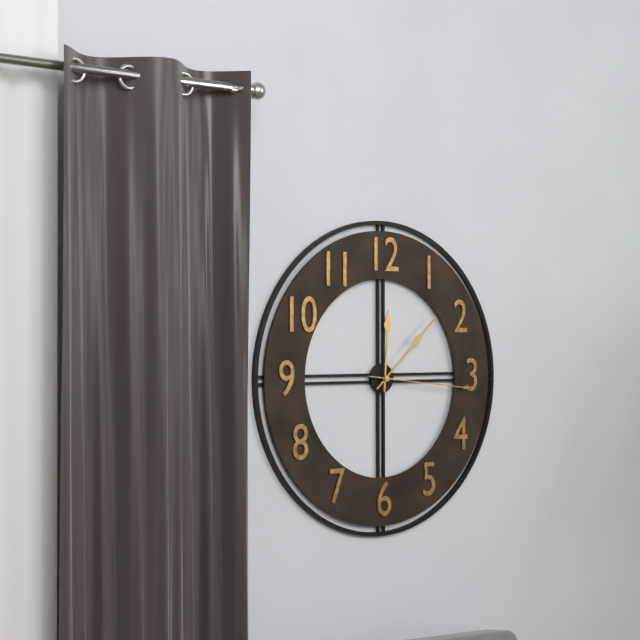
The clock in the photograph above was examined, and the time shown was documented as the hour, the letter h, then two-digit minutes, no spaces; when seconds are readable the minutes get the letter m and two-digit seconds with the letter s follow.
12h08m16s
